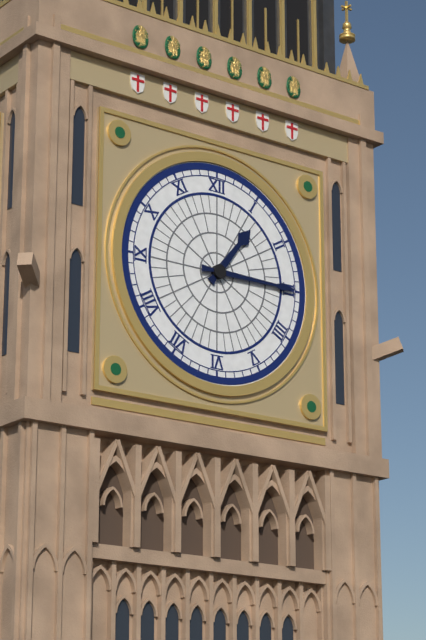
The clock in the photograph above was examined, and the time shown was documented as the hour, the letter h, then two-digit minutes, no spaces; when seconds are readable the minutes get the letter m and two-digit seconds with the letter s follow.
1h15
